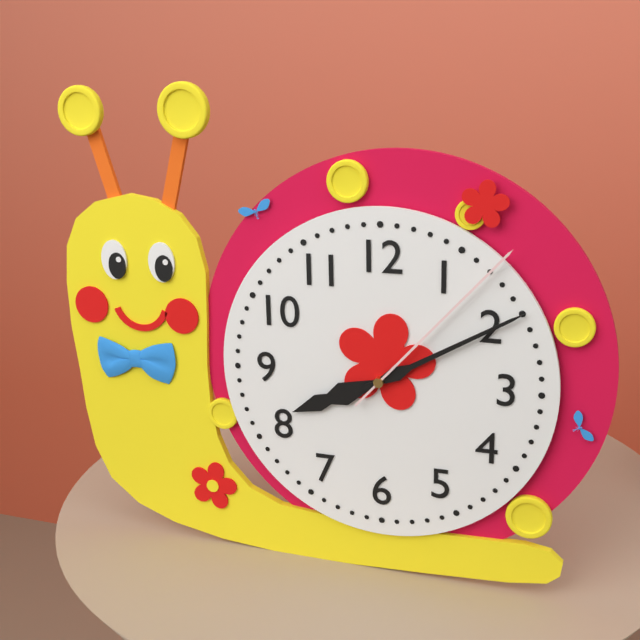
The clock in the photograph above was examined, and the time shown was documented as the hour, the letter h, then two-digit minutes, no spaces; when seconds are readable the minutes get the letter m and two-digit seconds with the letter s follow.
8h10m07s
